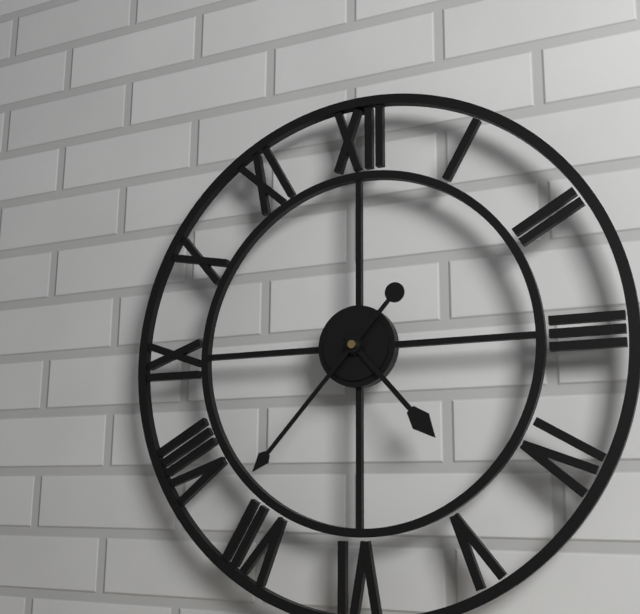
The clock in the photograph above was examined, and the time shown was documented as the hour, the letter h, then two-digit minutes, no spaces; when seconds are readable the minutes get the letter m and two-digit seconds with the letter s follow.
4h37
